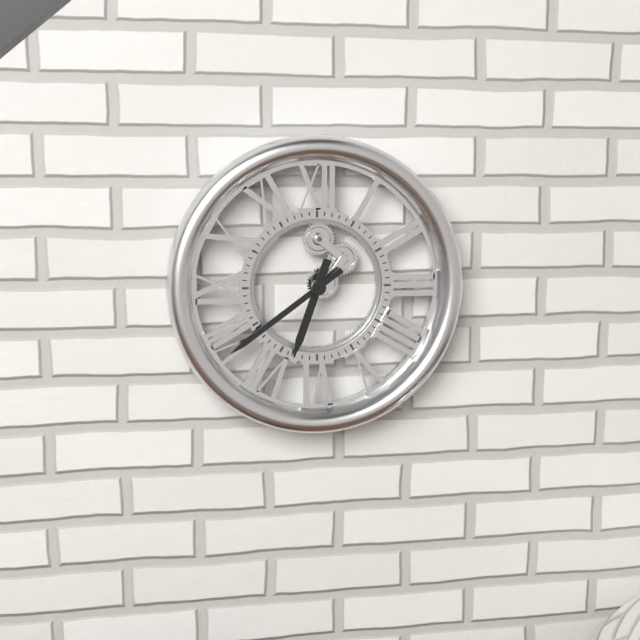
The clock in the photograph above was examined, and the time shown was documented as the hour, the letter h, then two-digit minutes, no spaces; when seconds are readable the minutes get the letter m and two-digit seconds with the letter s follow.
6h39
